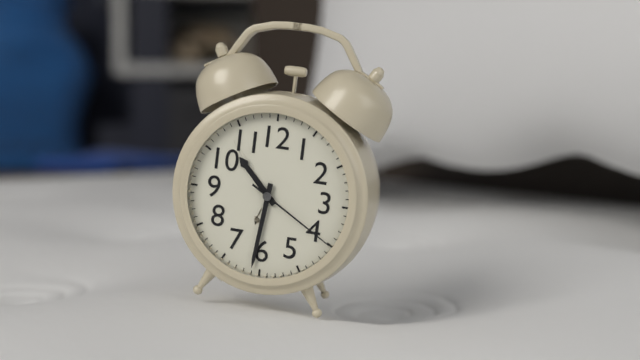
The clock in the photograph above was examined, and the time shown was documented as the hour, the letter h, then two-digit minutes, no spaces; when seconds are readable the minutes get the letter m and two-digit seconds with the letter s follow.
10h31m20s
